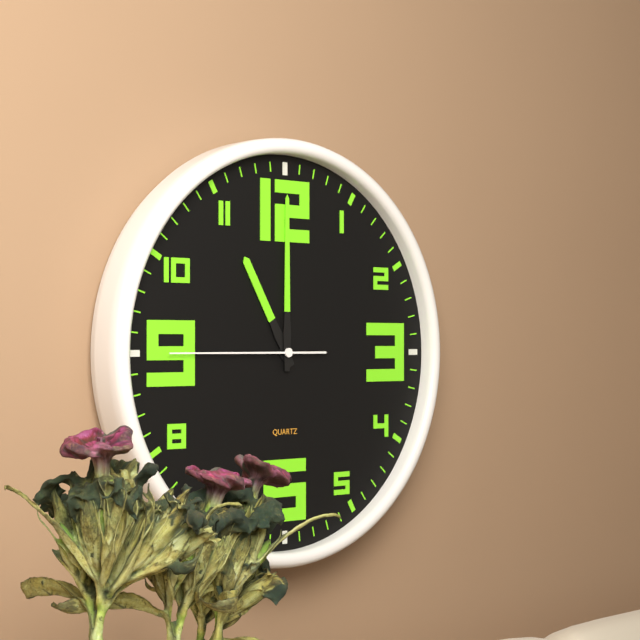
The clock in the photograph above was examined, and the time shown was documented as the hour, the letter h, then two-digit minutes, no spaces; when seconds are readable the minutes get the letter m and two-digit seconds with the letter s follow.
11h00m45s
